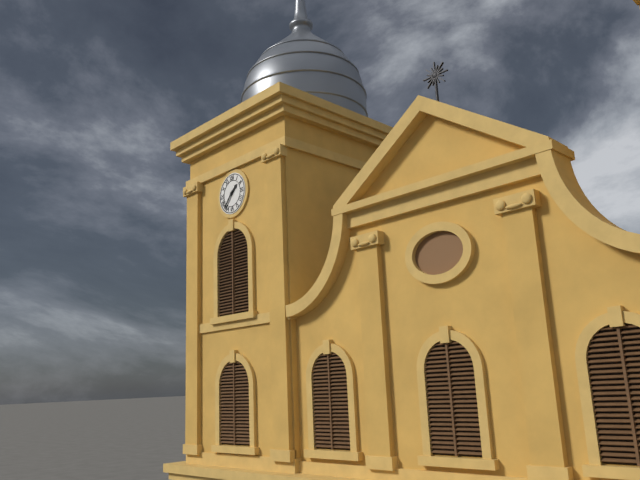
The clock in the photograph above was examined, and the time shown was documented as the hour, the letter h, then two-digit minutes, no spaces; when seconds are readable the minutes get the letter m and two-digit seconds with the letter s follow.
1h37
